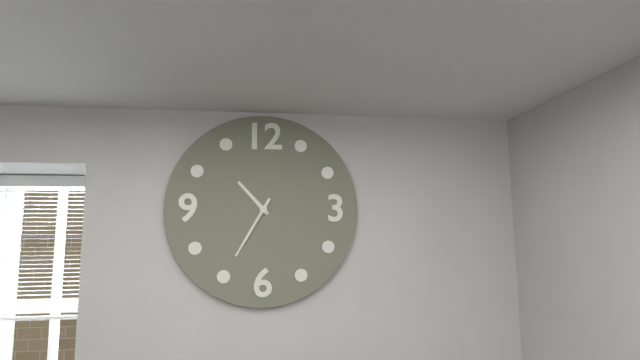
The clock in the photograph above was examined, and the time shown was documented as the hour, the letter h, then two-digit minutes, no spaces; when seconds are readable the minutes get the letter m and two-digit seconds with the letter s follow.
10h35
